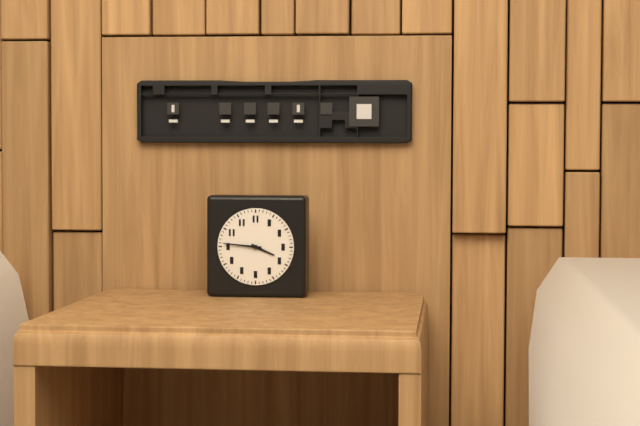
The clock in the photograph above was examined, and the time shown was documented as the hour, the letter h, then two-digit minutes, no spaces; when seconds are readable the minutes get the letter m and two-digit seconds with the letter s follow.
3h46
